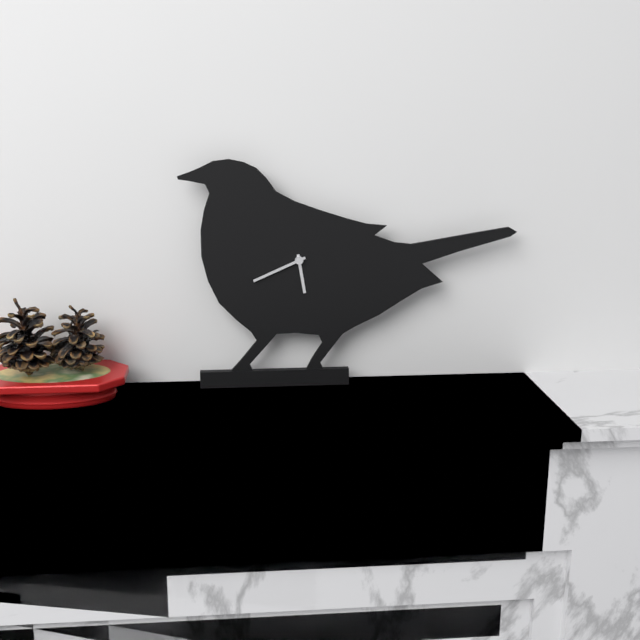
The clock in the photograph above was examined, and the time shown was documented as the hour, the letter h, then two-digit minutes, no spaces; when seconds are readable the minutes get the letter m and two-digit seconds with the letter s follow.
5h41
